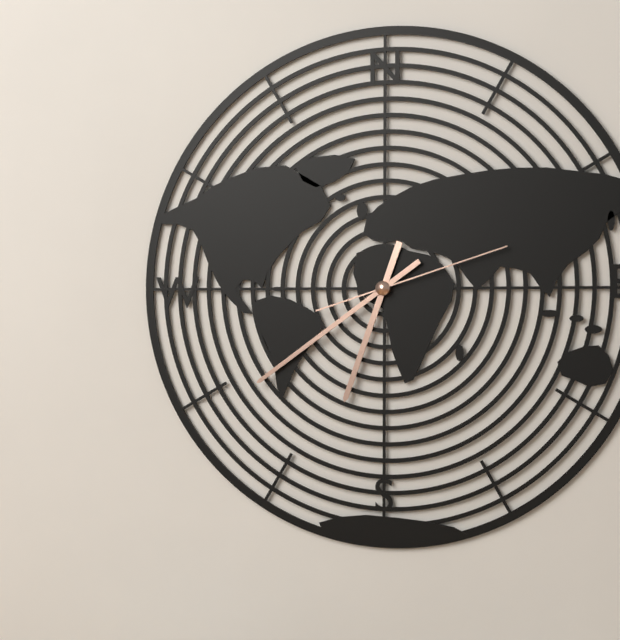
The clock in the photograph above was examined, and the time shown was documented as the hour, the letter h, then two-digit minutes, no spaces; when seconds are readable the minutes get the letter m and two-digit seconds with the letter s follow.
6h39m12s
